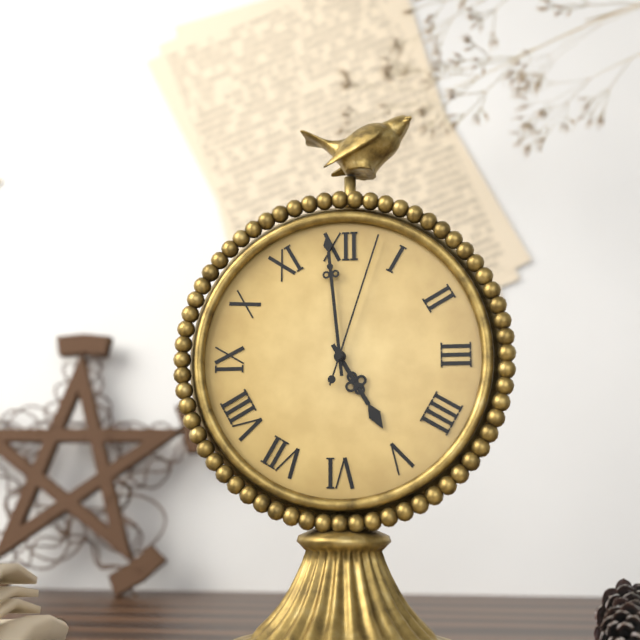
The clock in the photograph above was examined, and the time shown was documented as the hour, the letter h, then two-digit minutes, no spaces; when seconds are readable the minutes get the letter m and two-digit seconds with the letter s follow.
4h59m03s
